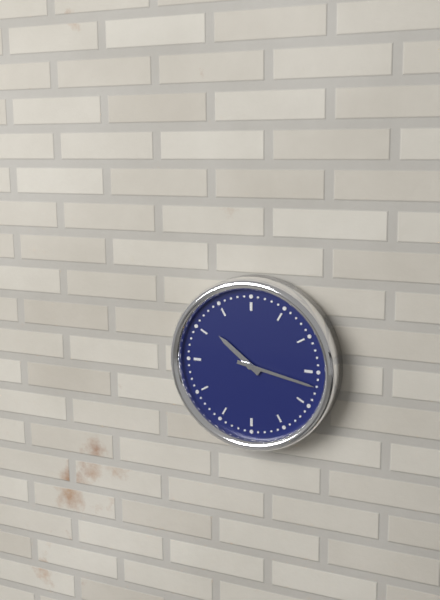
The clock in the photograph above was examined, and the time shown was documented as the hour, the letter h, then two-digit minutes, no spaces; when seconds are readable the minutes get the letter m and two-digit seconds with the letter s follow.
10h17
